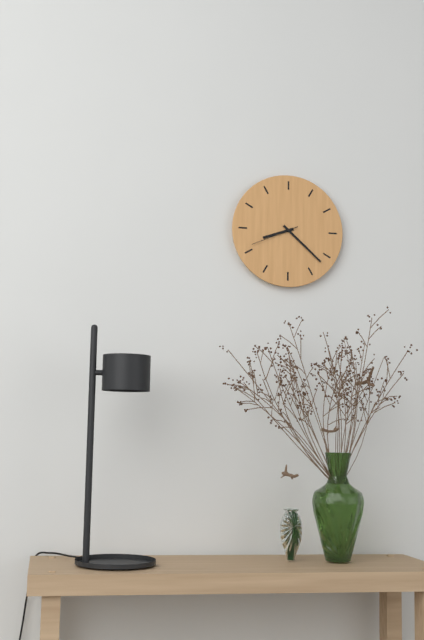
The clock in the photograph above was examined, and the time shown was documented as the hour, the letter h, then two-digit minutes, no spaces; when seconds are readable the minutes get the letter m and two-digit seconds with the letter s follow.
8h22
